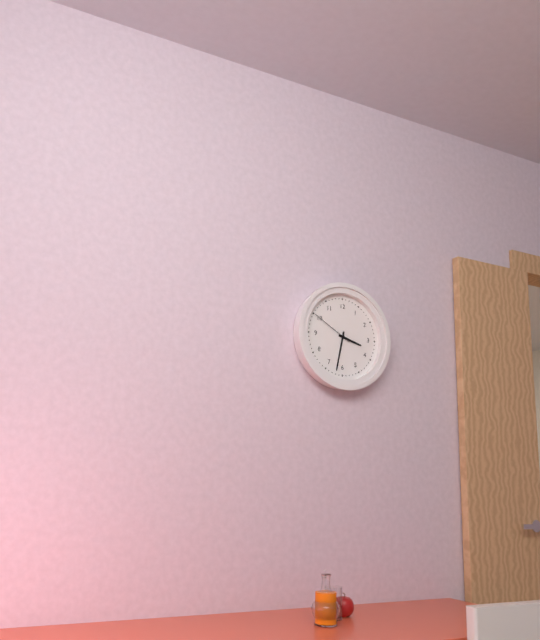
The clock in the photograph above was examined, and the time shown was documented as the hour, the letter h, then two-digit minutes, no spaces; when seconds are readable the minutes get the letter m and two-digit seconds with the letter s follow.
3h32
